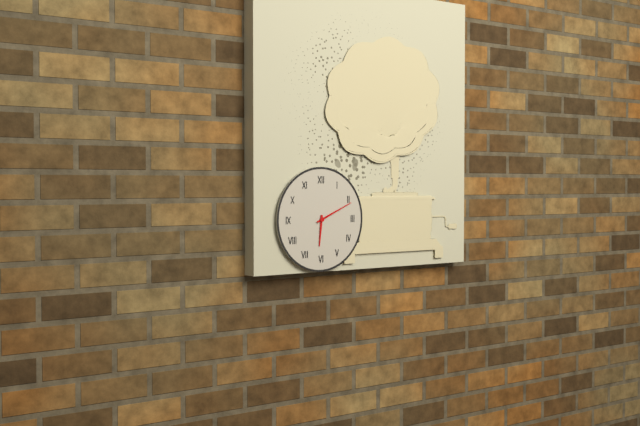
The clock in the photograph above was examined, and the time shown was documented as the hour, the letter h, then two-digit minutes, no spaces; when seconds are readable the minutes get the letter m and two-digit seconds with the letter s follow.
6h11
